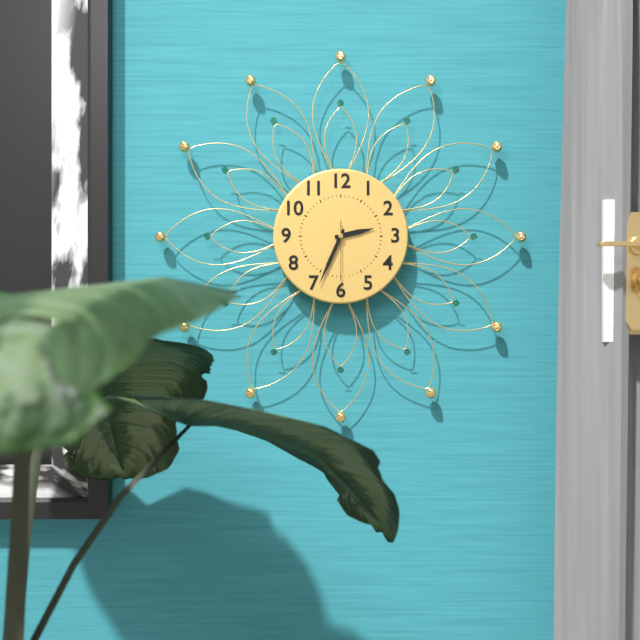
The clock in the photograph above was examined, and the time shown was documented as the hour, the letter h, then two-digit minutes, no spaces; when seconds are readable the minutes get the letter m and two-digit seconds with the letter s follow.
2h34m30s
